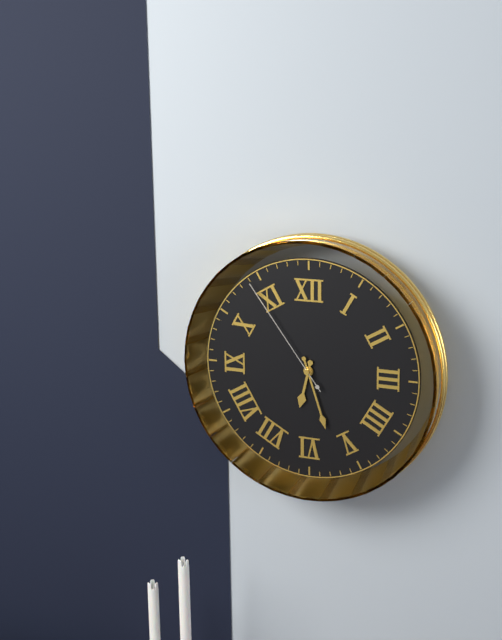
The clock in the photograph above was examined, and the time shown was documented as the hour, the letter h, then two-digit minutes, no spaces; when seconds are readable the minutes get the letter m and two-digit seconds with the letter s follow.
6h27m54s
